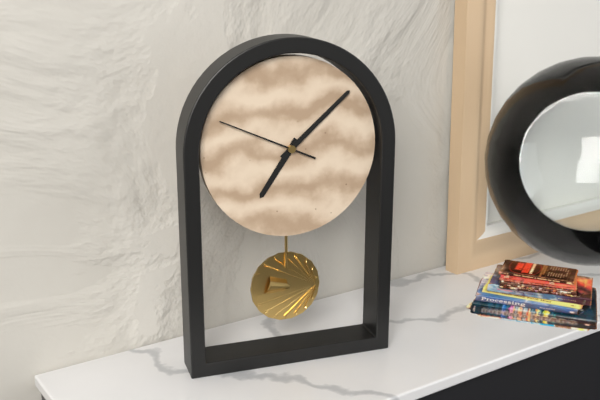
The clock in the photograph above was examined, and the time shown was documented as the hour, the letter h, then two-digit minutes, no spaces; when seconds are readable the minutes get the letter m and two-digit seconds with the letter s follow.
7h08m49s
